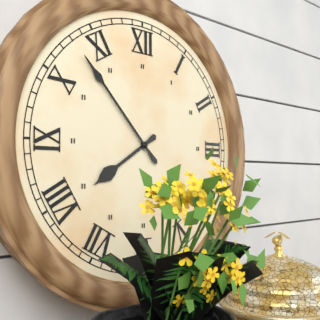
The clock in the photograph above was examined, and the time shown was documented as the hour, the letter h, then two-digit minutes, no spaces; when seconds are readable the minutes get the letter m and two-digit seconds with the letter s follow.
7h53
